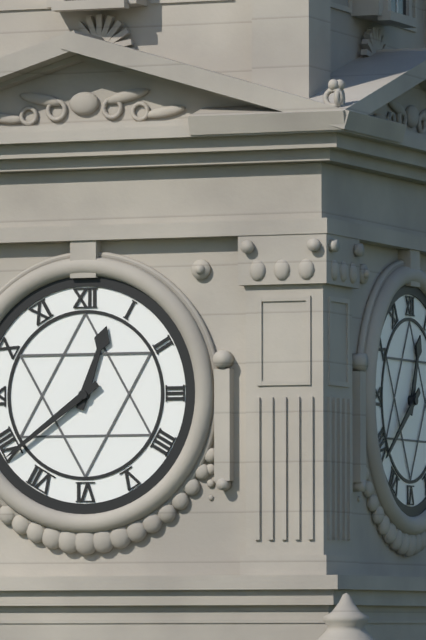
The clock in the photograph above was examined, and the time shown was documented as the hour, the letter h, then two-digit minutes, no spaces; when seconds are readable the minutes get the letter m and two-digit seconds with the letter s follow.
12h39
